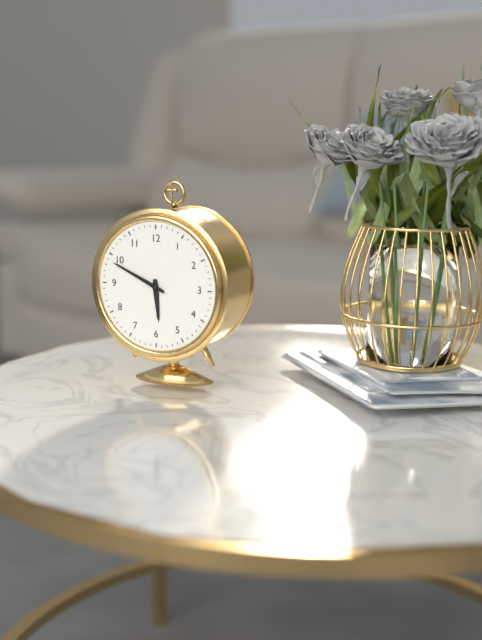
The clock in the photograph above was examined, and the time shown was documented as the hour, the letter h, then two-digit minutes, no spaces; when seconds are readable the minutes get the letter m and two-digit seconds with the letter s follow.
5h49
